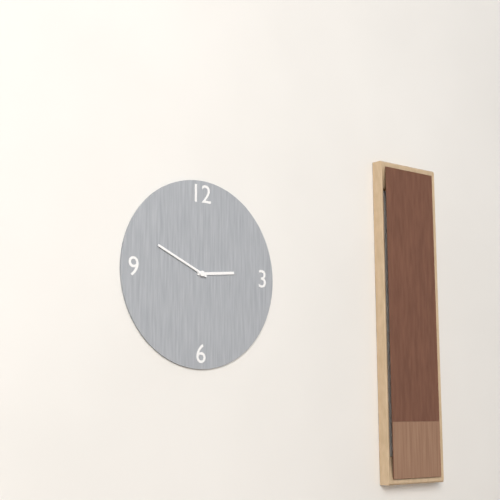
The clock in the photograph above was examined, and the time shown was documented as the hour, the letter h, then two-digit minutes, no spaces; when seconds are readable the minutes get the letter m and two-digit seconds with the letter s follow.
2h49
